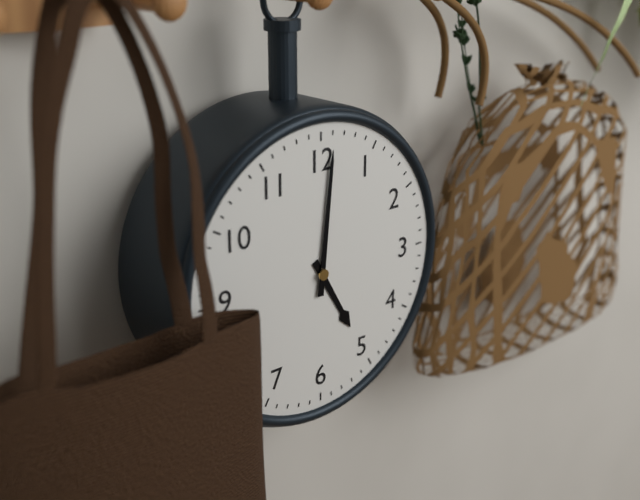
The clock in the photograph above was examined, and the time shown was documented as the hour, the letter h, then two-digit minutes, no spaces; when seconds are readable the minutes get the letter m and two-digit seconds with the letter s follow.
5h01
